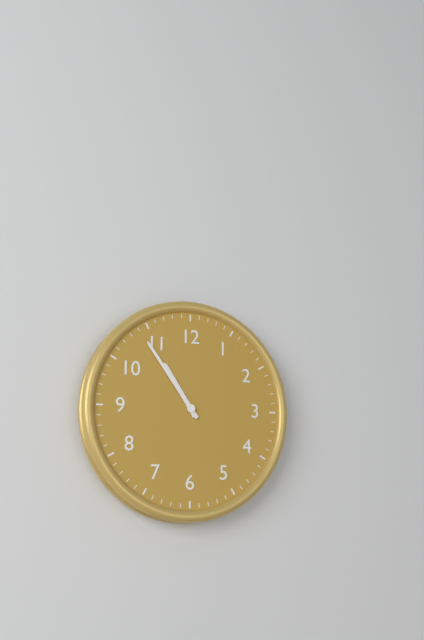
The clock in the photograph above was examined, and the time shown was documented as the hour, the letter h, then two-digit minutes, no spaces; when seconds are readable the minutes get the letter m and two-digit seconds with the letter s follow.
10h54
